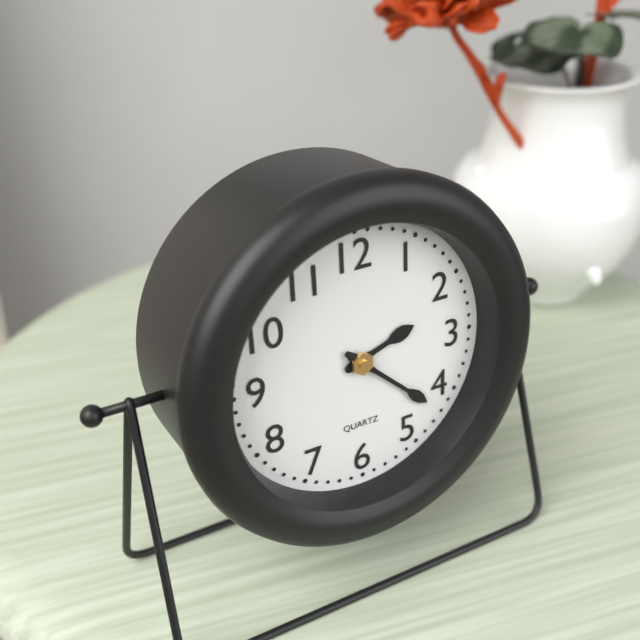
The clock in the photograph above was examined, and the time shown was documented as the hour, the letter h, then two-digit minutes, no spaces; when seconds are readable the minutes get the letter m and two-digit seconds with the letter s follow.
2h22
